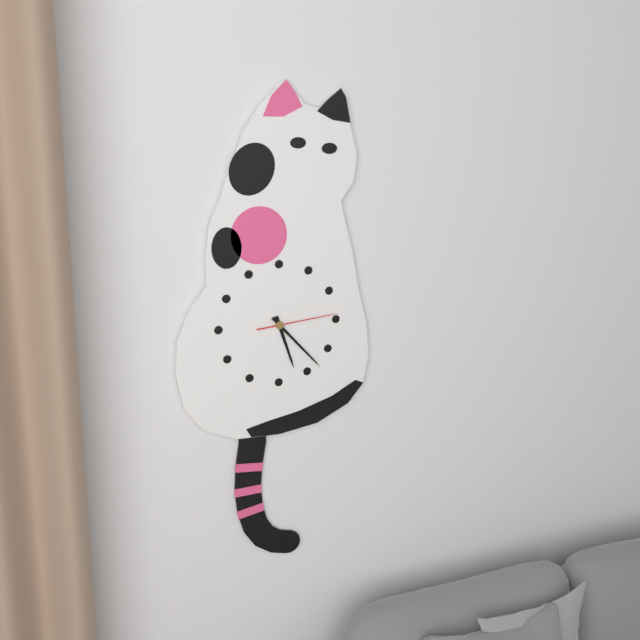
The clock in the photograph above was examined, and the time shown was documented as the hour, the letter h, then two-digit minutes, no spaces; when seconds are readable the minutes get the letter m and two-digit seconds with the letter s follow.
5h23m14s
